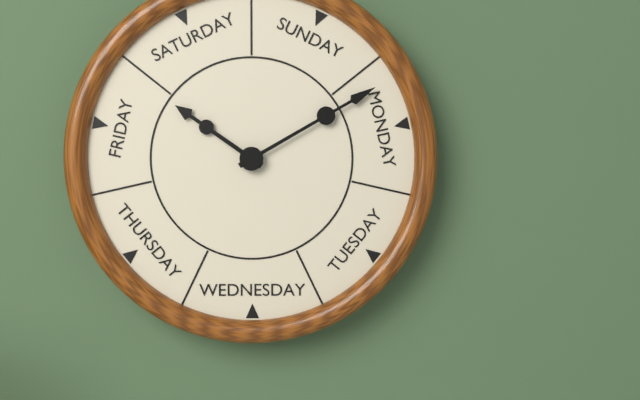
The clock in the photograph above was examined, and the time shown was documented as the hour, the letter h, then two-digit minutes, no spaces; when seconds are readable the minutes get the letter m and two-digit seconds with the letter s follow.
10h10
